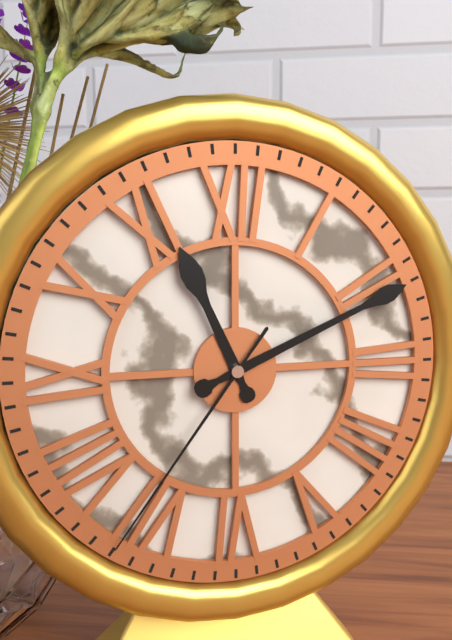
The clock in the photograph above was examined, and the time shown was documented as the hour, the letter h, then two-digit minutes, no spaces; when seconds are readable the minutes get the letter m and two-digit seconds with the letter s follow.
11h11m36s
